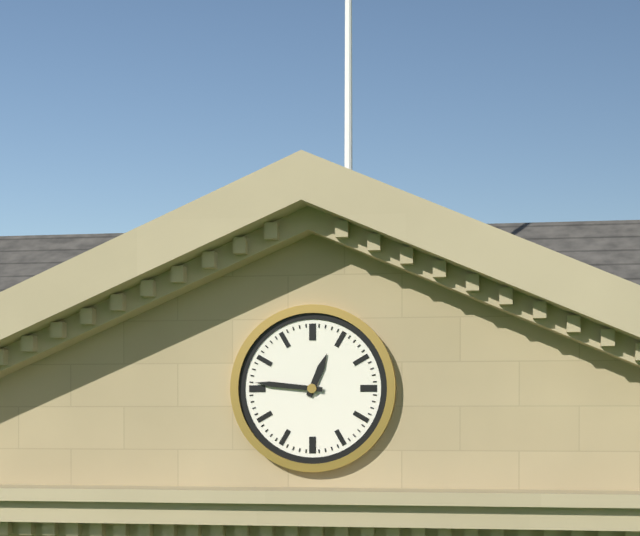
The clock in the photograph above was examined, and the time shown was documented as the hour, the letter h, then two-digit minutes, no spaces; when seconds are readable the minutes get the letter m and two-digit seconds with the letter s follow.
12h46
